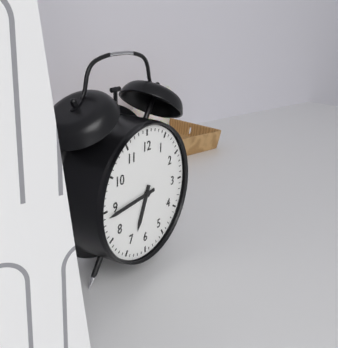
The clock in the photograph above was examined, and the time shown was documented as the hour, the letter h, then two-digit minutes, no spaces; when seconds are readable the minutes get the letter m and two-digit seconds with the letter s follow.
6h44
